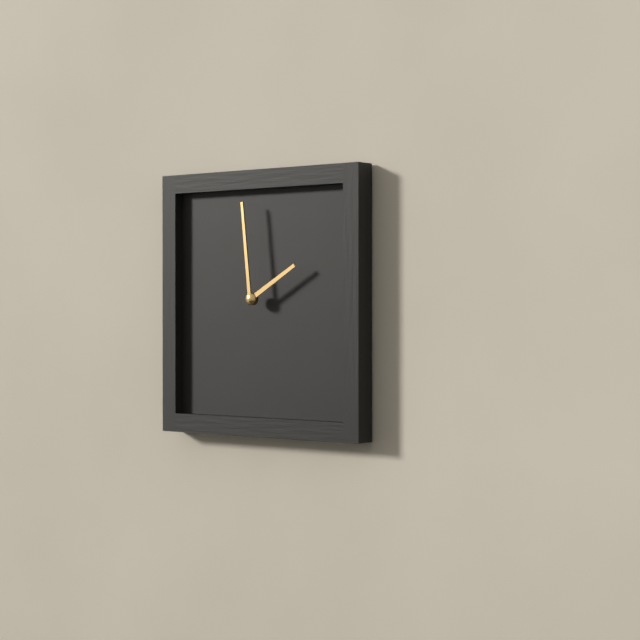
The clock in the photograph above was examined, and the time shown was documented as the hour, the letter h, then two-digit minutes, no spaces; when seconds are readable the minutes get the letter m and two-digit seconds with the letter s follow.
1h59
